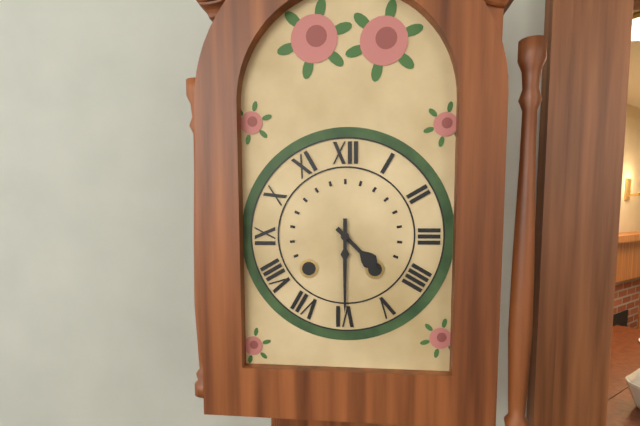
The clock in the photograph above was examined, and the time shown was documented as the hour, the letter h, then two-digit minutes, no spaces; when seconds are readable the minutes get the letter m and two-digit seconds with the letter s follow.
4h30
